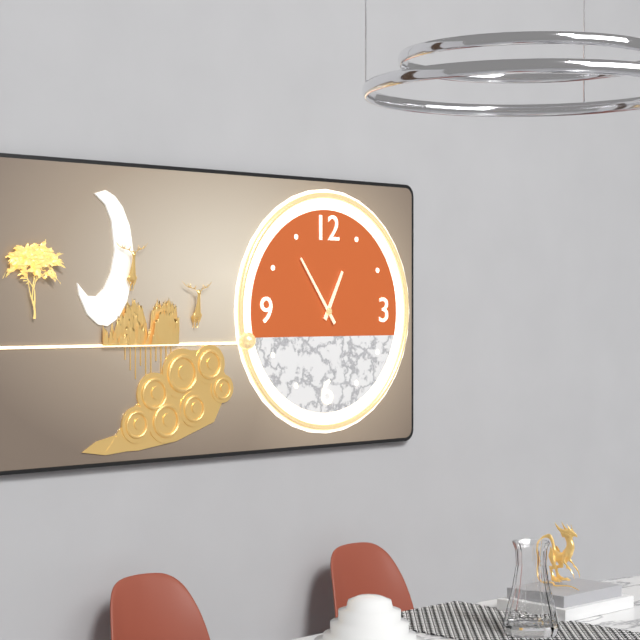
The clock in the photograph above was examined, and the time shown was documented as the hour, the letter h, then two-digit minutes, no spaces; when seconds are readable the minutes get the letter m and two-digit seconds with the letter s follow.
12h54
